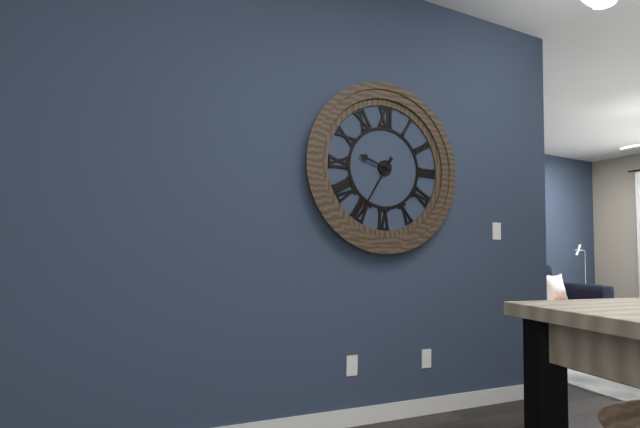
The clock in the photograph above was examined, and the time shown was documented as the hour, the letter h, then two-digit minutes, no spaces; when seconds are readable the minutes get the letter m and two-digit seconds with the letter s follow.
9h35m35s
